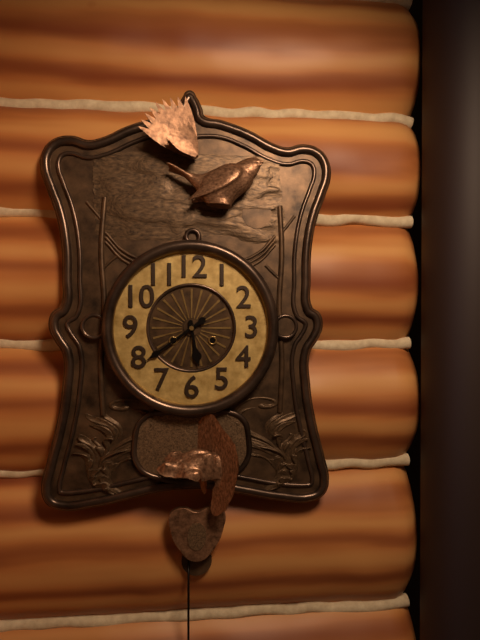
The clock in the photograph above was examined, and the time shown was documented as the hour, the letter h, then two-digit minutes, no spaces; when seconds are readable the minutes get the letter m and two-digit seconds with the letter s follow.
5h39
